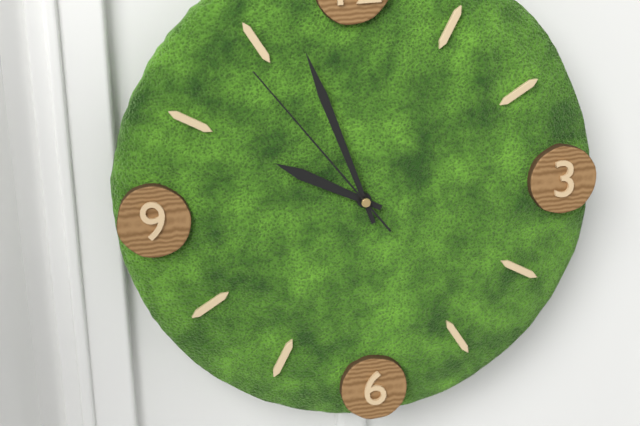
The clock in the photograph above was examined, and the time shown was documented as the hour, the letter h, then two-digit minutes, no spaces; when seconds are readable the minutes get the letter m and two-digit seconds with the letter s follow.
9h57m54s
